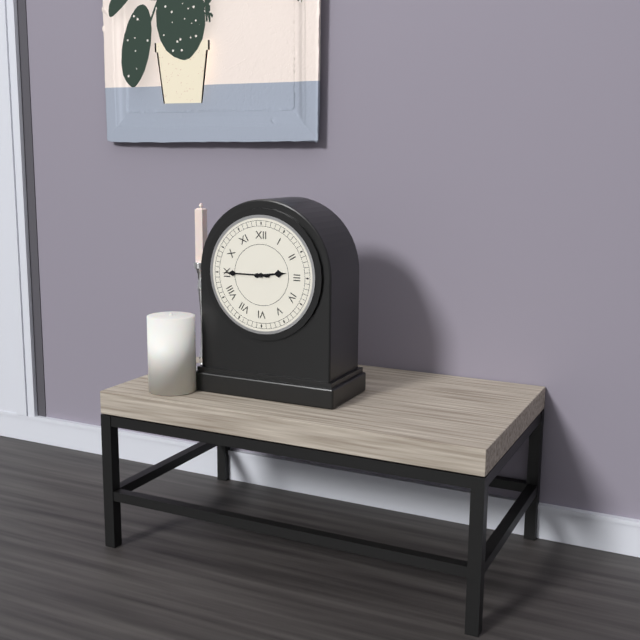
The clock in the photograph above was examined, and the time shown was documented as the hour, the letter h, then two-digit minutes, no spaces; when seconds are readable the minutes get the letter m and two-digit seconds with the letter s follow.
2h45
